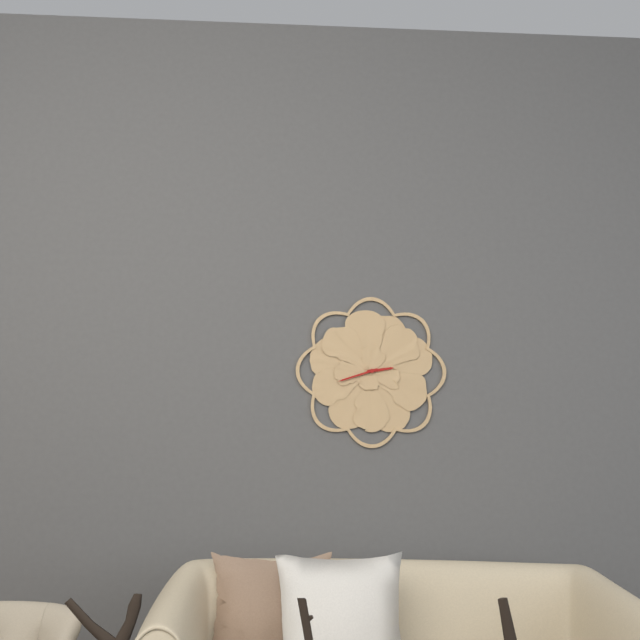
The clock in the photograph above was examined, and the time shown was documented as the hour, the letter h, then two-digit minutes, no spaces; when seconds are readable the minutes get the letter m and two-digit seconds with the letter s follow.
2h42
